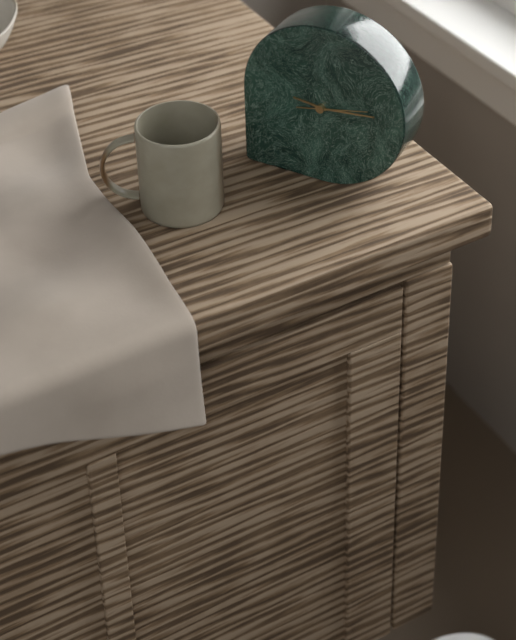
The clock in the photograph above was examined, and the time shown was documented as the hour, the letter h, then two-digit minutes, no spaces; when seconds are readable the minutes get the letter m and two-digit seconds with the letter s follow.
9h14m13s
